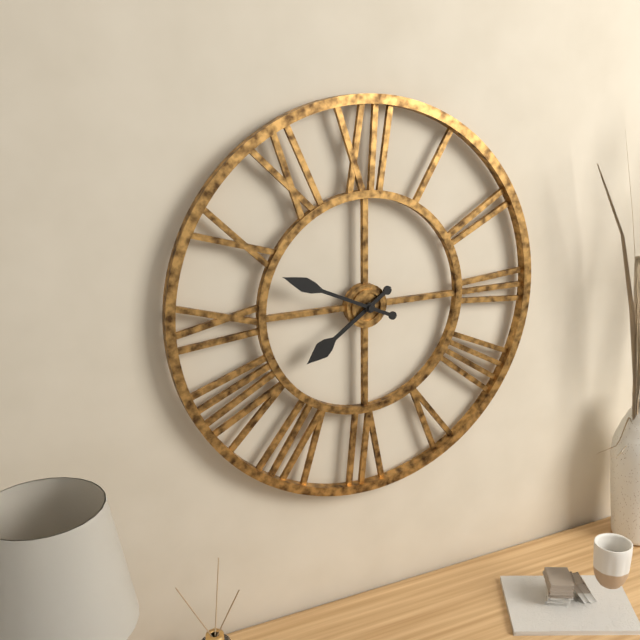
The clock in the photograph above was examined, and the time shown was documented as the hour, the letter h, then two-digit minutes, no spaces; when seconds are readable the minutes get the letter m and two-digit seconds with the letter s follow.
7h49
